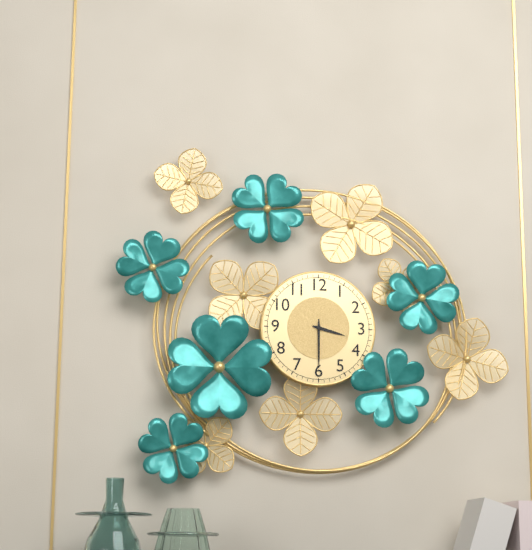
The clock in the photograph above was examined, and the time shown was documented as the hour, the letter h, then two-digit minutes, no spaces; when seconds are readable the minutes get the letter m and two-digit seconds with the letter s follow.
3h30
